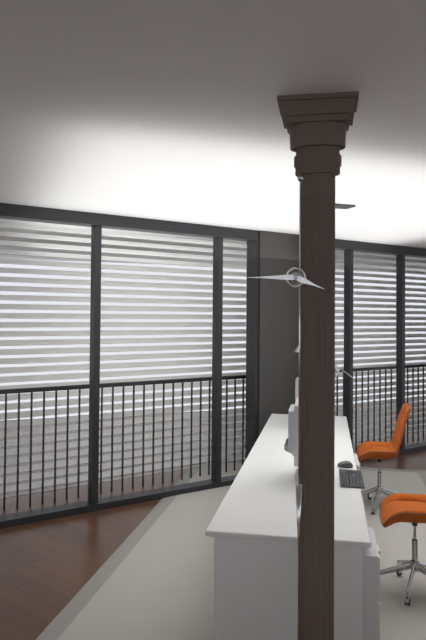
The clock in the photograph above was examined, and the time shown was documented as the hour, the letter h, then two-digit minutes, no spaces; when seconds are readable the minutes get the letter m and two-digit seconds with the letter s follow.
3h45
